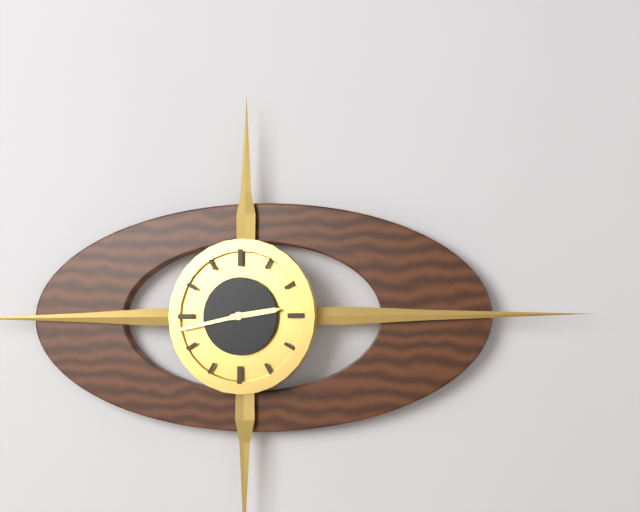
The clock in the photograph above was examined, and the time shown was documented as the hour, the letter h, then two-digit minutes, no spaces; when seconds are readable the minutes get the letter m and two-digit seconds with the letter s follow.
2h43
